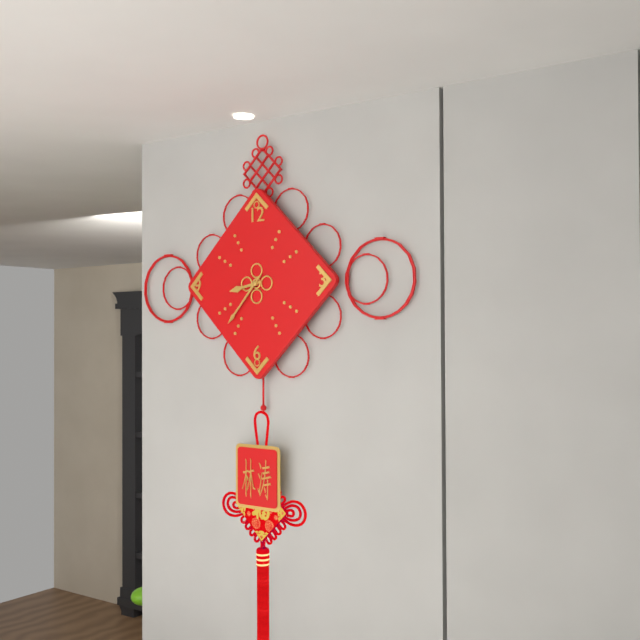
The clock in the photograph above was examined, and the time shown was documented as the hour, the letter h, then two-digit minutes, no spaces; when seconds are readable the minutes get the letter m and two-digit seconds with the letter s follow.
8h37
